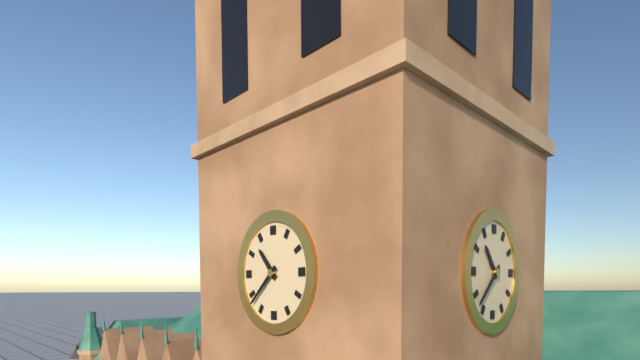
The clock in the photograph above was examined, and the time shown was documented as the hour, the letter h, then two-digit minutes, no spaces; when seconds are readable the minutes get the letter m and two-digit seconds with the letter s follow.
10h38
